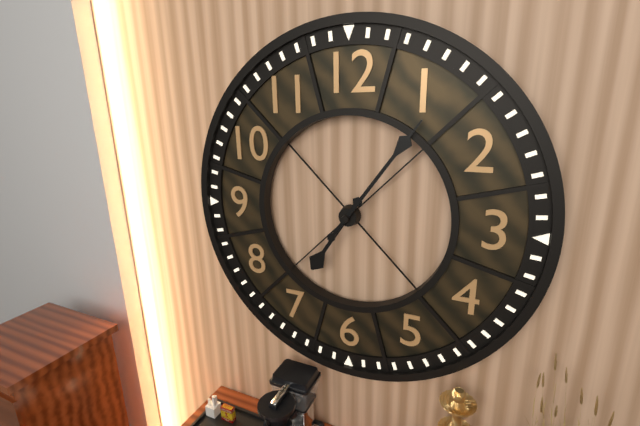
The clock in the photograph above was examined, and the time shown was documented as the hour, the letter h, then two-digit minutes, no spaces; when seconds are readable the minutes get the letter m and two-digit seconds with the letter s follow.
7h06
